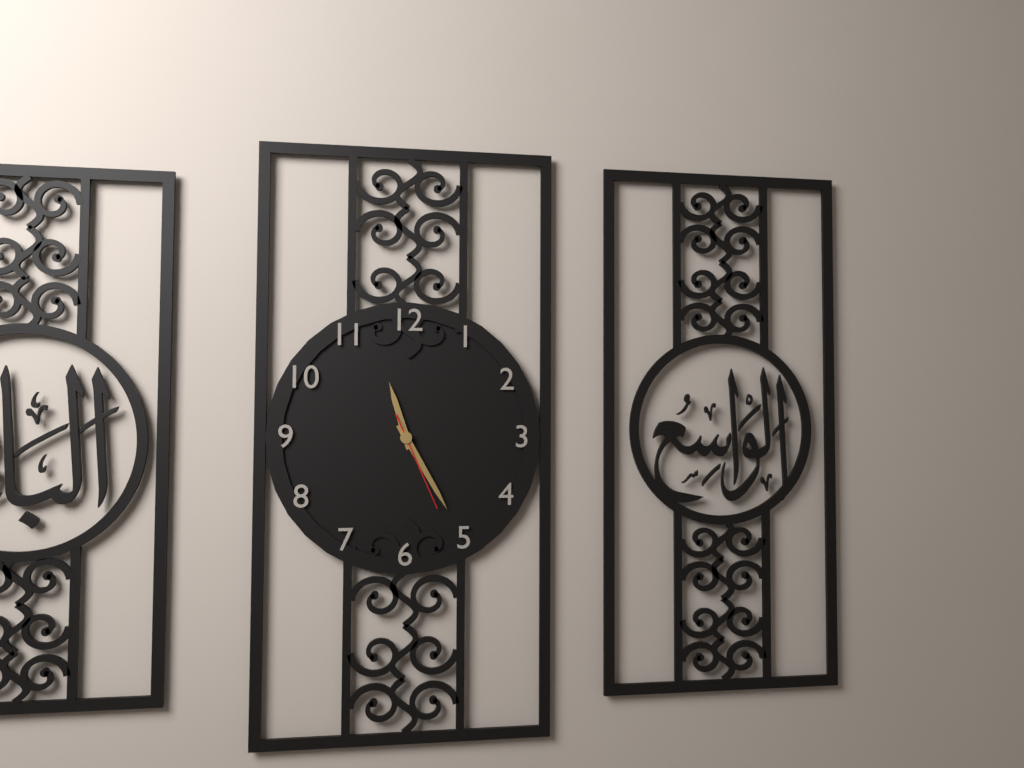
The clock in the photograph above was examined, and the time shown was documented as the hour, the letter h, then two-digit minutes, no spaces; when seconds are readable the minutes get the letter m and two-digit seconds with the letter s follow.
11h25m26s
